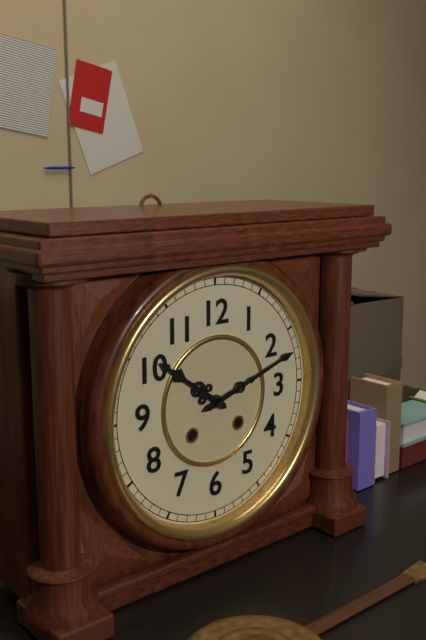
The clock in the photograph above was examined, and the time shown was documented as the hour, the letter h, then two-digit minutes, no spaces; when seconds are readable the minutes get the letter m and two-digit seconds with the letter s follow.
10h12
